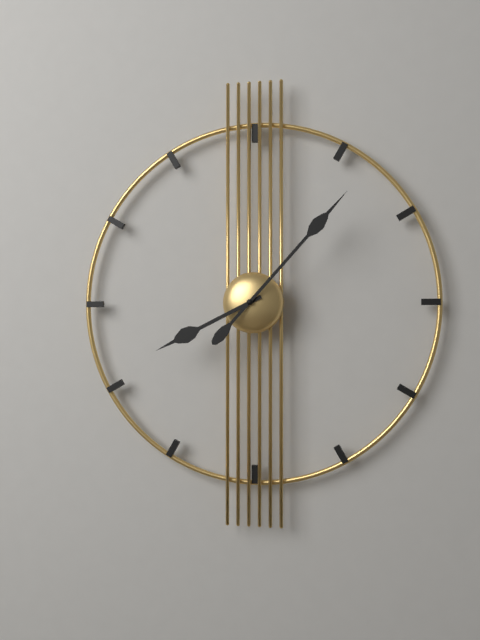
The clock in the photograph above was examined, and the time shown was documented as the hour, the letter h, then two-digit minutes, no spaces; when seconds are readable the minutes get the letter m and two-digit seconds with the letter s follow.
8h07
